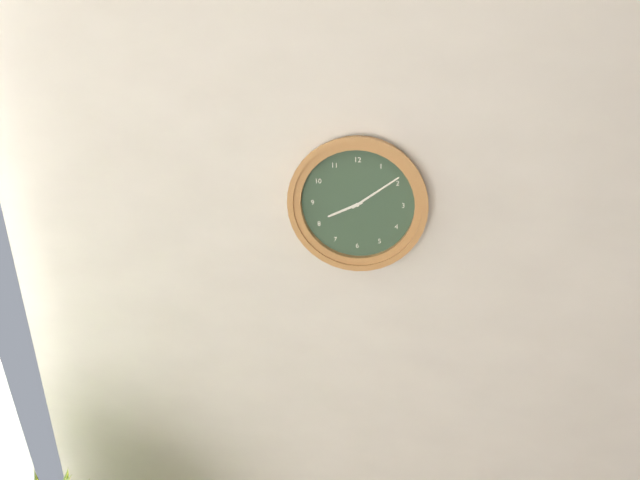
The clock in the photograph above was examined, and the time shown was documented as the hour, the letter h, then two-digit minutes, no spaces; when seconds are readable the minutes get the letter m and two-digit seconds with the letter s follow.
8h09
